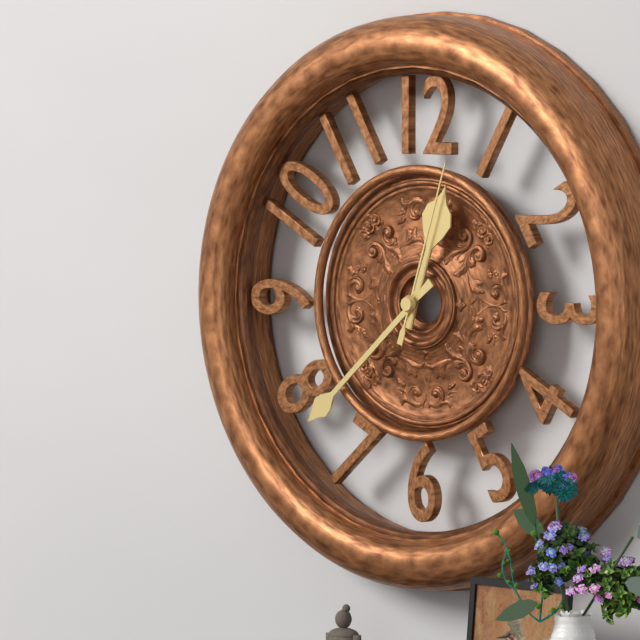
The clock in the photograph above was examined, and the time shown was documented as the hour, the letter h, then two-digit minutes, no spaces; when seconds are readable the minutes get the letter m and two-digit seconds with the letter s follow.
12h38m03s
